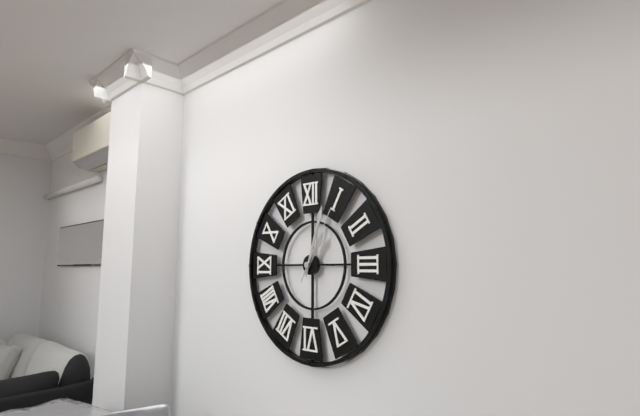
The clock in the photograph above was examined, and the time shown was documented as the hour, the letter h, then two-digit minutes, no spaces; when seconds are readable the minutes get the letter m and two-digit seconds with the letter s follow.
1h03m05s
